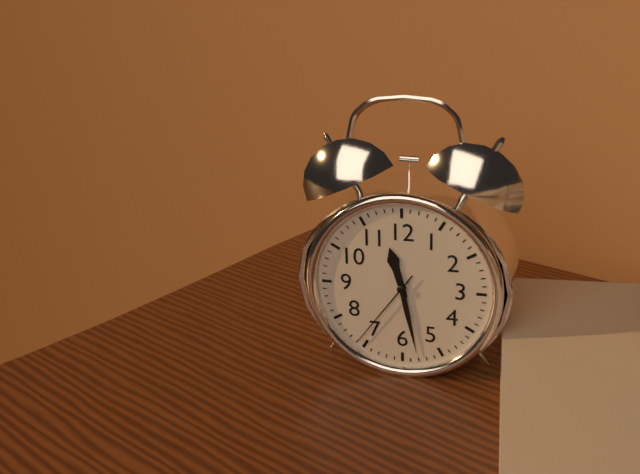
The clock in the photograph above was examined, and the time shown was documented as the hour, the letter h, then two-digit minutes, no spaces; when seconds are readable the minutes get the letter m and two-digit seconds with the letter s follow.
11h28m36s
